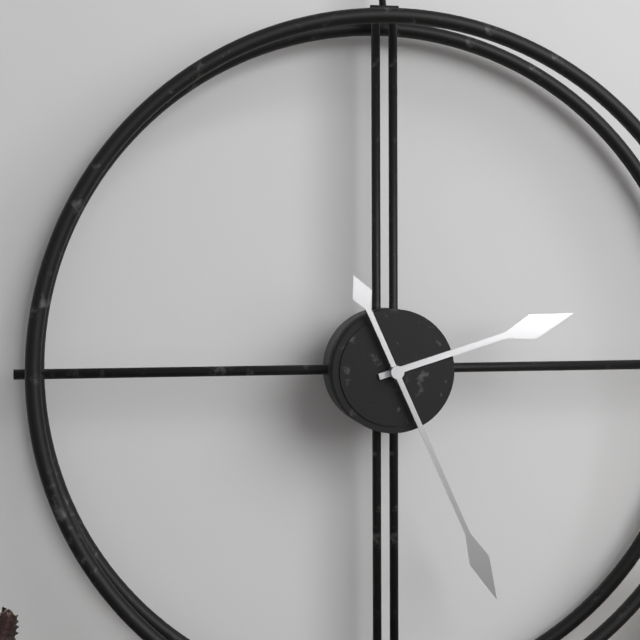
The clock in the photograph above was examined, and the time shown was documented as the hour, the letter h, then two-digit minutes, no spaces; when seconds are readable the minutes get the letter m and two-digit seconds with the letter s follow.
2h26
